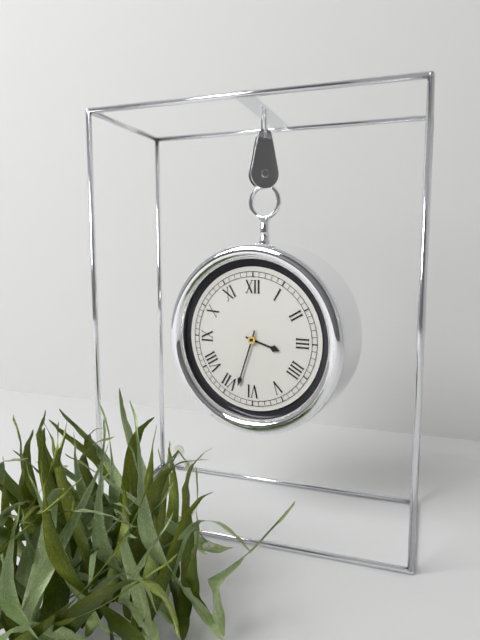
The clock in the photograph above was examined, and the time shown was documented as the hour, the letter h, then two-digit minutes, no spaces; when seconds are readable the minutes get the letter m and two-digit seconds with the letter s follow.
3h33
